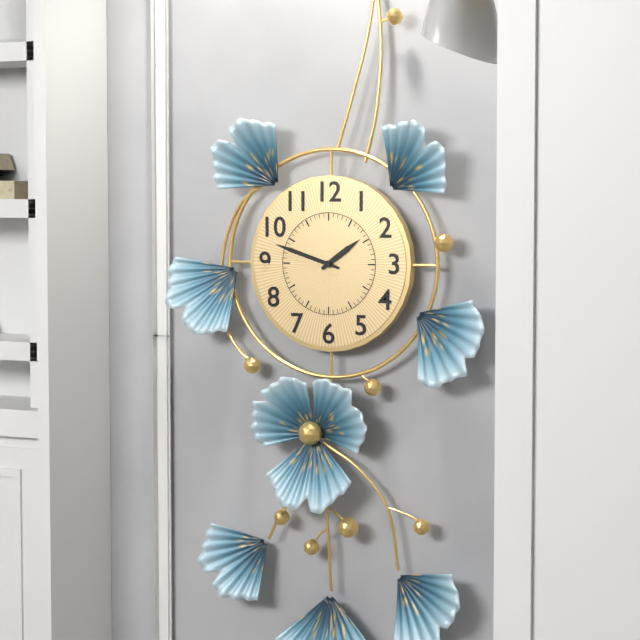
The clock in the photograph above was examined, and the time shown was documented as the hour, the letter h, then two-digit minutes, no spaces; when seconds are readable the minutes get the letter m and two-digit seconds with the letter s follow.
1h48
